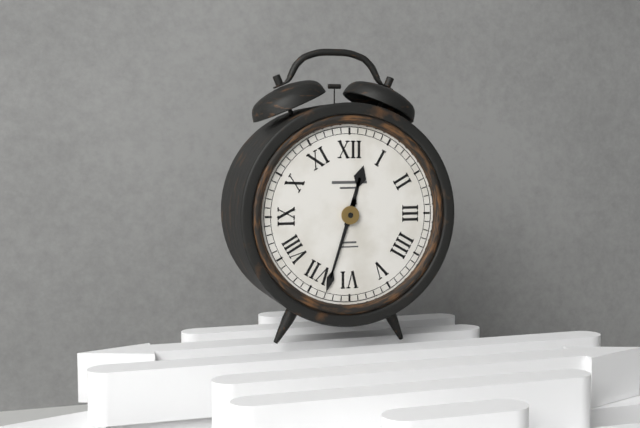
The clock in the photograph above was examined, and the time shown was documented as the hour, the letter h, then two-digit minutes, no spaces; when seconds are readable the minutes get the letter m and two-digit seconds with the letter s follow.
12h33
